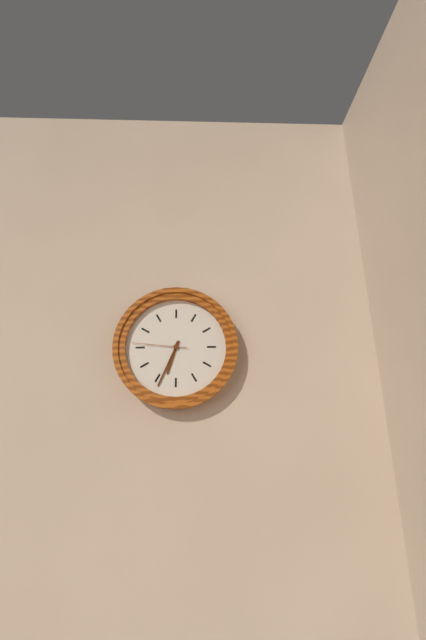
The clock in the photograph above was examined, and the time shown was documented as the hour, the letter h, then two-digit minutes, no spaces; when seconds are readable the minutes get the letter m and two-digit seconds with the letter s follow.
6h34m46s
